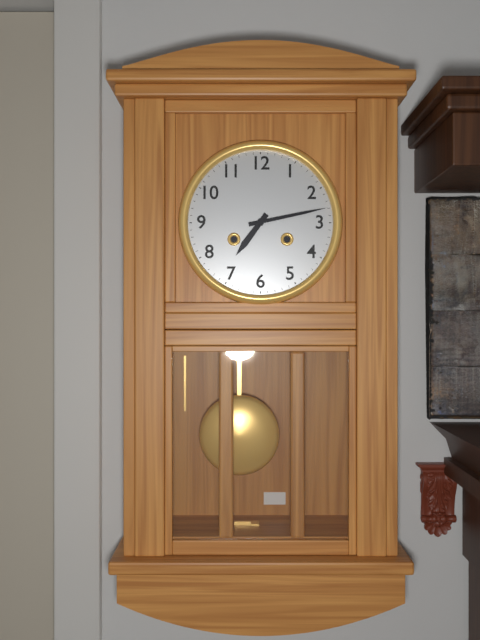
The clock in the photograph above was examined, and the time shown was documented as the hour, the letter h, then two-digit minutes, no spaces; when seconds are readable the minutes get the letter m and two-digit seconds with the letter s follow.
7h13
